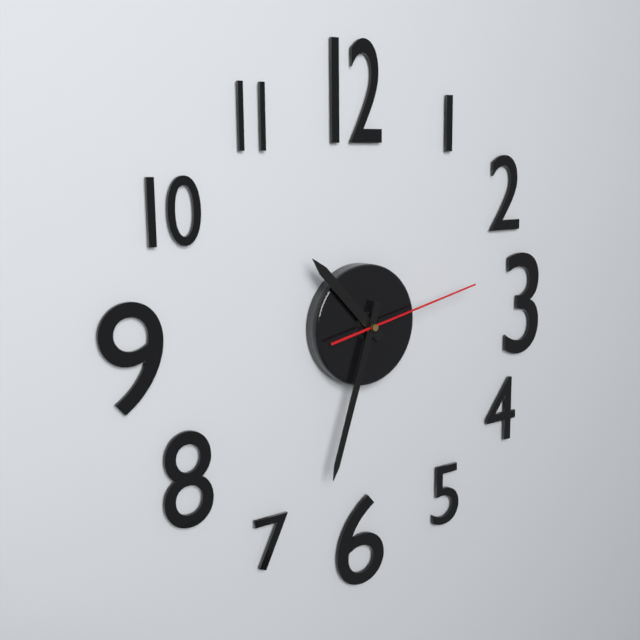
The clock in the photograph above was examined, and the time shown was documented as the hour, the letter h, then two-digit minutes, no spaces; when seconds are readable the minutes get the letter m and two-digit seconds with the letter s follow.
10h33m13s
